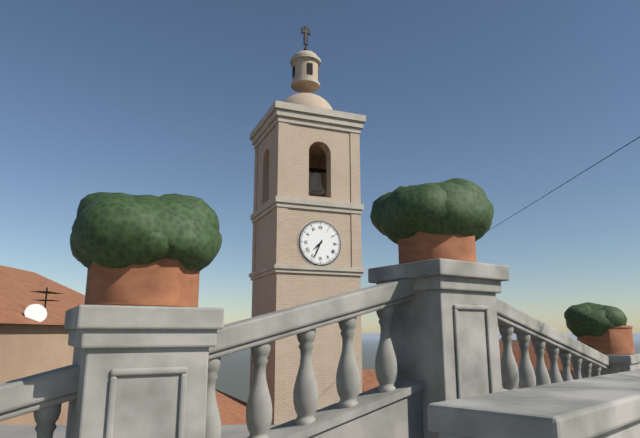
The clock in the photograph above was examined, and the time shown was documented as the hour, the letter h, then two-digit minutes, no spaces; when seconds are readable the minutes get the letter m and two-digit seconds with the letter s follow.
7h34
